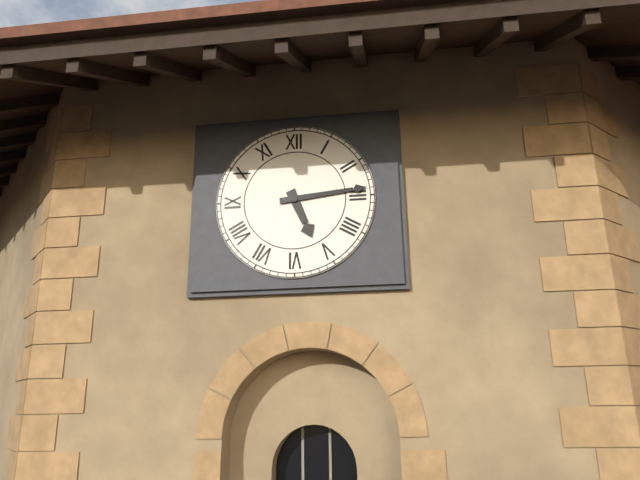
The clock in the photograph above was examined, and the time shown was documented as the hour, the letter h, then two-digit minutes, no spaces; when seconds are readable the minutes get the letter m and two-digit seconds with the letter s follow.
5h14
